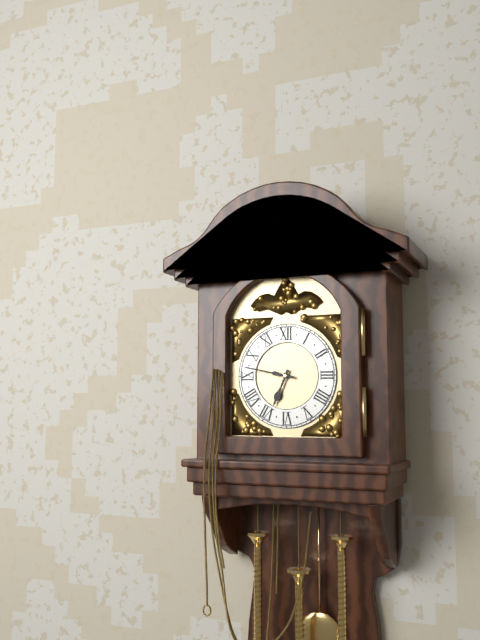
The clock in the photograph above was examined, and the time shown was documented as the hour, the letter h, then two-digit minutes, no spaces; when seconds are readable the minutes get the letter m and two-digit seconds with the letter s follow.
6h47
